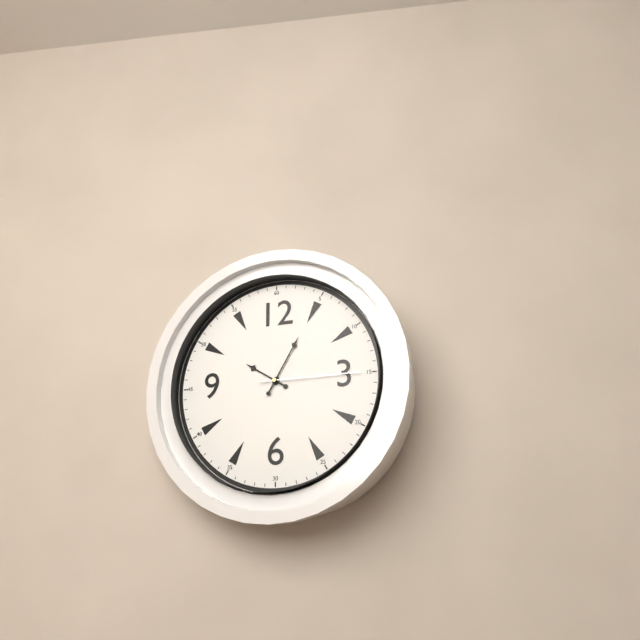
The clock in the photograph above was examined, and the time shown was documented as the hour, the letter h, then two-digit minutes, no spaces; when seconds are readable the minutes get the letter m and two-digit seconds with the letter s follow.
10h05m15s
